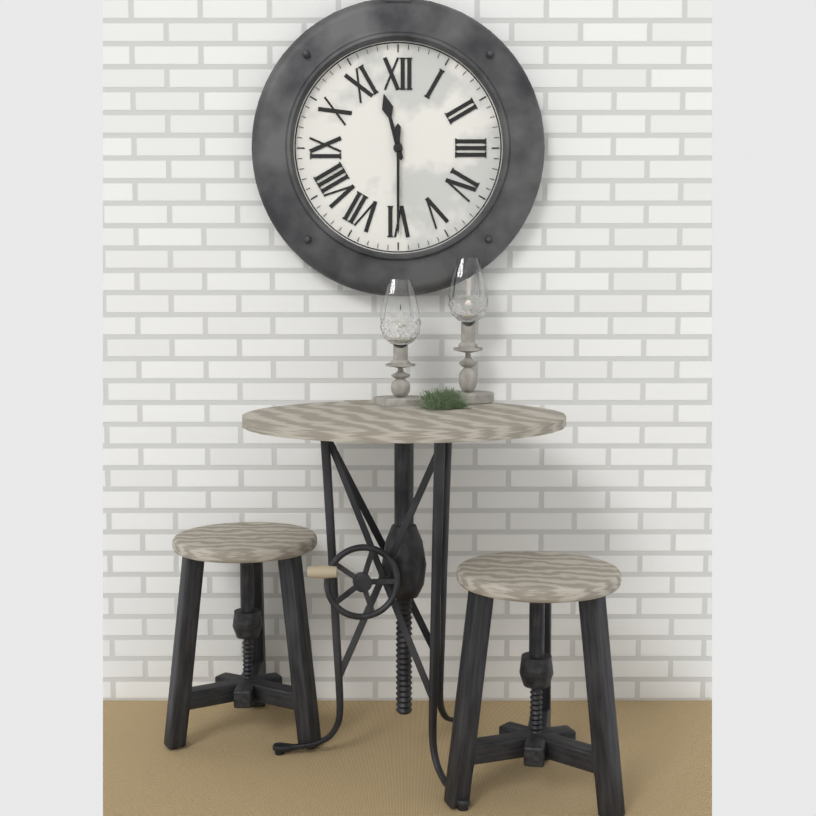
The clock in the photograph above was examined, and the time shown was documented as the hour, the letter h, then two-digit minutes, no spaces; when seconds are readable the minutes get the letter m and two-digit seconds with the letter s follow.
11h30
